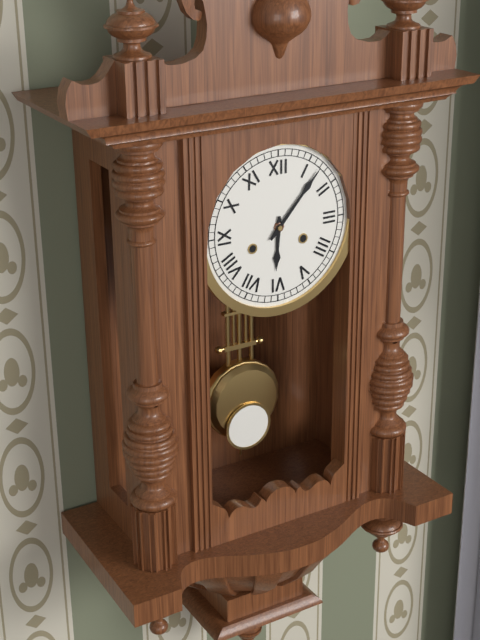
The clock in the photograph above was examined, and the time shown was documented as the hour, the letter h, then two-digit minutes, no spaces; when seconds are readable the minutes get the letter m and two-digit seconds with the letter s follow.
6h07
